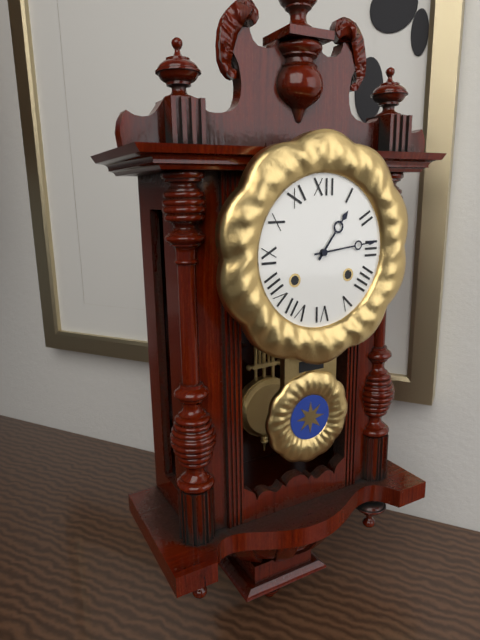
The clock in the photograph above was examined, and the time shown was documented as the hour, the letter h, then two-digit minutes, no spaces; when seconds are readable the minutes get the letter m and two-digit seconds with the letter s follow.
1h14
